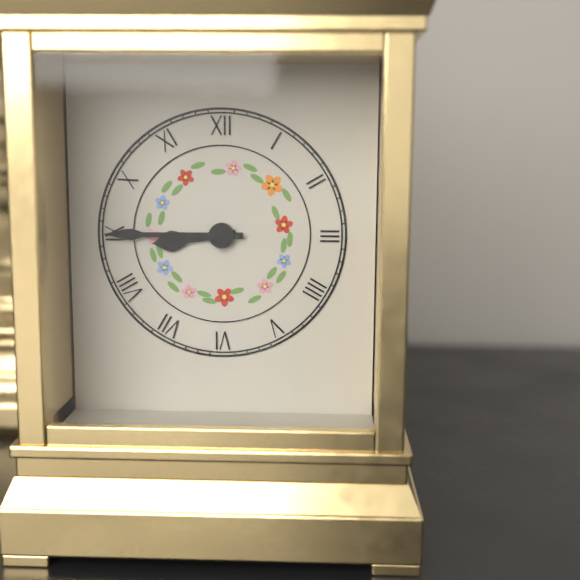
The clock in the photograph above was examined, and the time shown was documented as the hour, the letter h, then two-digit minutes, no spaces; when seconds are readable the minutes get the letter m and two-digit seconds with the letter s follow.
8h45
